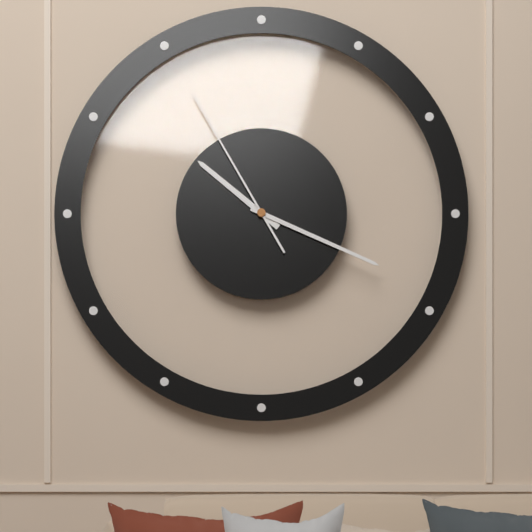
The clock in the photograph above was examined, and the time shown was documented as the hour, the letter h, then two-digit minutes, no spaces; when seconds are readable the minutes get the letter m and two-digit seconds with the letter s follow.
10h19m55s
